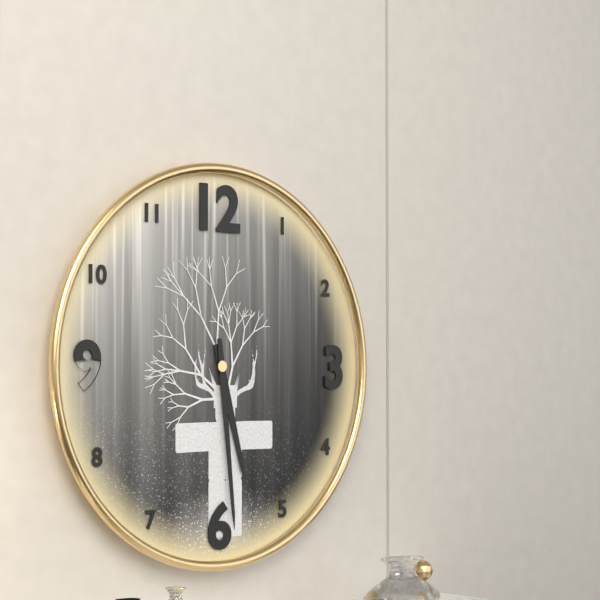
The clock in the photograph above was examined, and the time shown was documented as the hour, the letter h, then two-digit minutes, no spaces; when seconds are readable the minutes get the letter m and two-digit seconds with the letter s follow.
5h29
